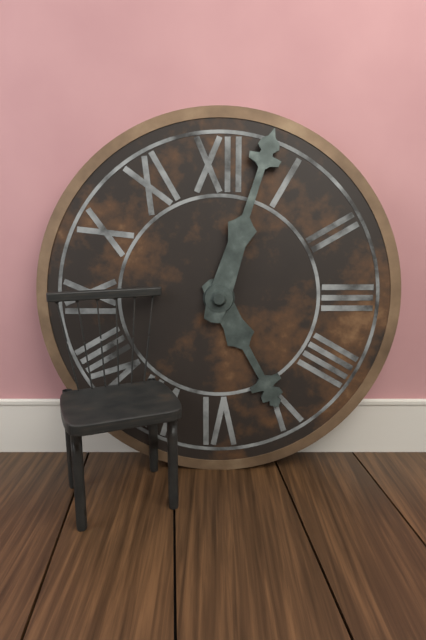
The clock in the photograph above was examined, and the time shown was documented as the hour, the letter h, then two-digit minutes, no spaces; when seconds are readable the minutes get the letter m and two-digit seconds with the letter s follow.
5h03
